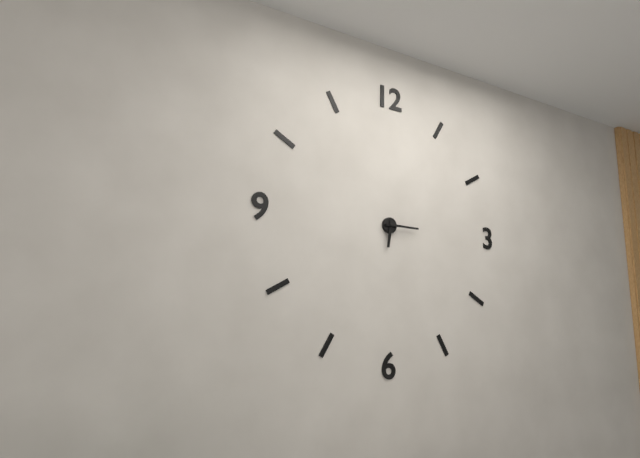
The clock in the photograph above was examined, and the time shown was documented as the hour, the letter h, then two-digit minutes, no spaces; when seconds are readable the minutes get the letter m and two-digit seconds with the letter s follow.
6h15
